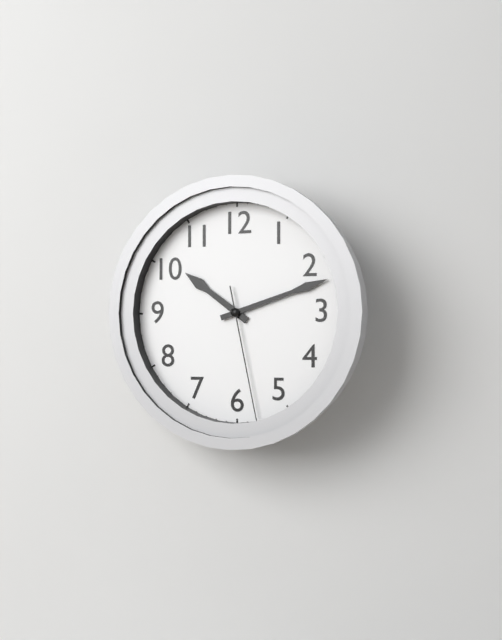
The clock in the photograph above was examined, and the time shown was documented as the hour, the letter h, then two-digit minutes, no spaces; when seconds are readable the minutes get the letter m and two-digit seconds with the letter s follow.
10h12m28s
